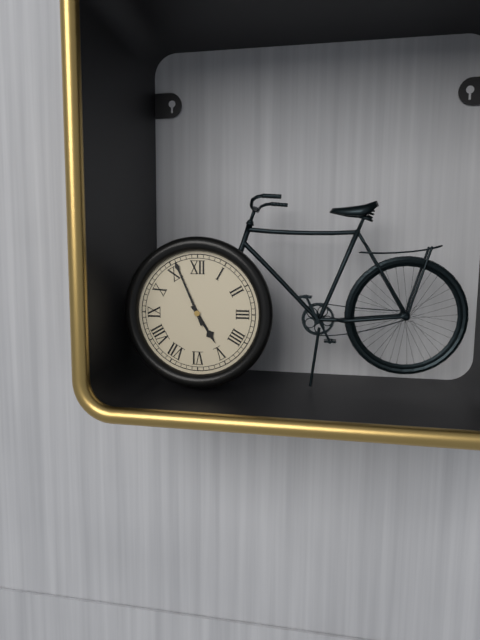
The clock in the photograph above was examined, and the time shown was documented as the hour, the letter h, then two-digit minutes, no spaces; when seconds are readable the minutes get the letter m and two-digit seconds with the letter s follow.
4h56
